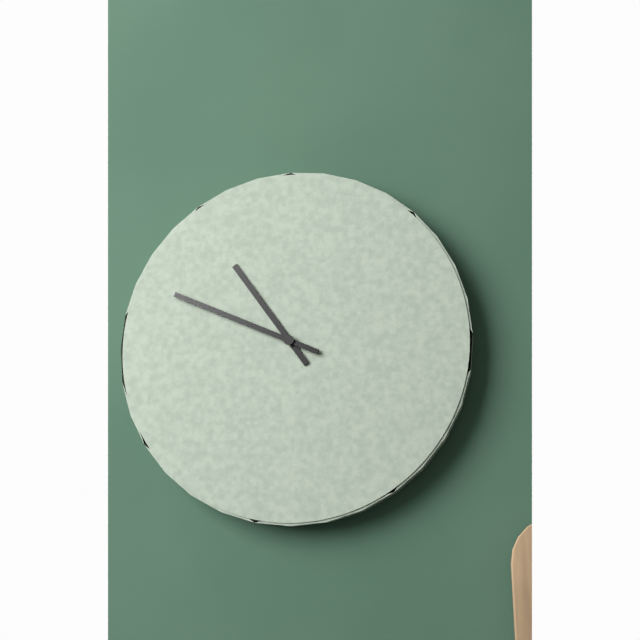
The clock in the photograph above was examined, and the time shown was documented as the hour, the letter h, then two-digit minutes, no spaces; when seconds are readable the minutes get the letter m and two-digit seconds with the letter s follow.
10h49
